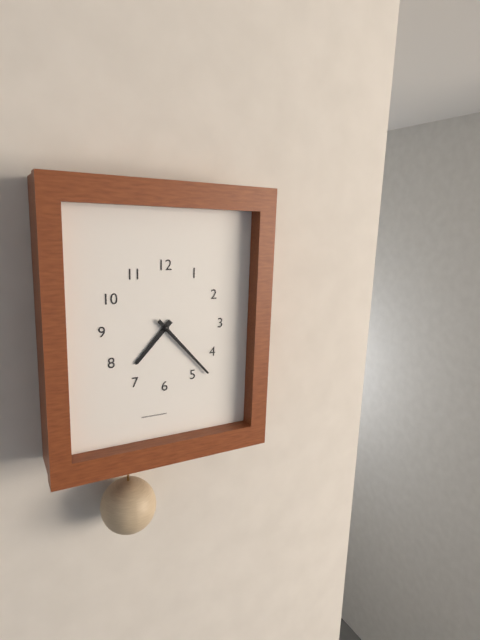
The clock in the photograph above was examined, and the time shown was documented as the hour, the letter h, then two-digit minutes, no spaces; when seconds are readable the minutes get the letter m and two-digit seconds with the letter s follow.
7h23
